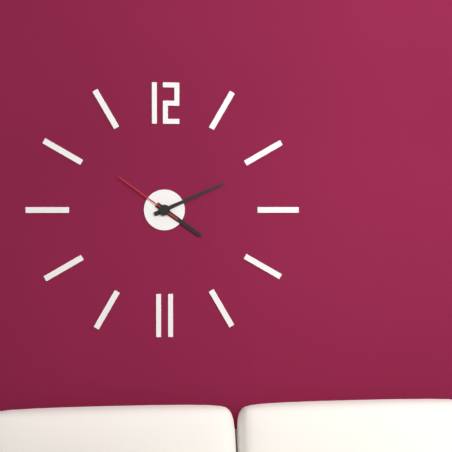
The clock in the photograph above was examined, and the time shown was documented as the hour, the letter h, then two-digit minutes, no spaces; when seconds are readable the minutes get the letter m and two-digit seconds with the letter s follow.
4h11m51s
